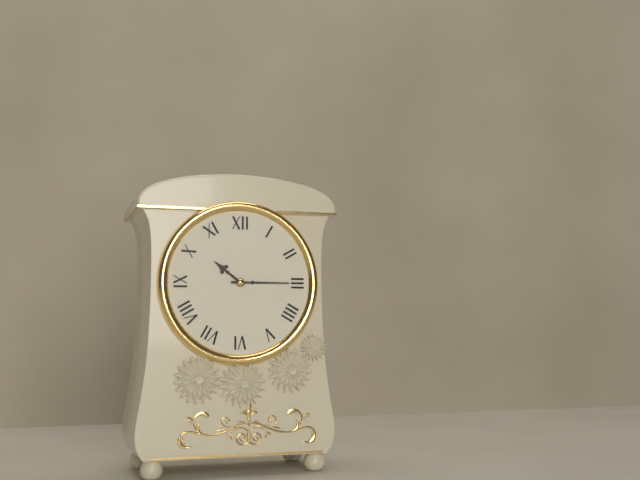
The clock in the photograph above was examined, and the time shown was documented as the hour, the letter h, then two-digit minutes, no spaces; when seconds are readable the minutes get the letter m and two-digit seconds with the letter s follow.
10h15
